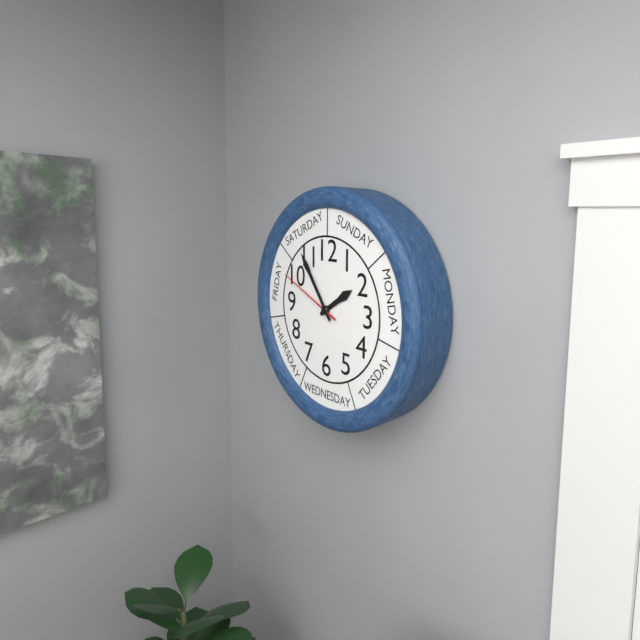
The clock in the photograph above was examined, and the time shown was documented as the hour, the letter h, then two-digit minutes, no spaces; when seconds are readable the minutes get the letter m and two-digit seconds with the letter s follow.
1h54m49s
